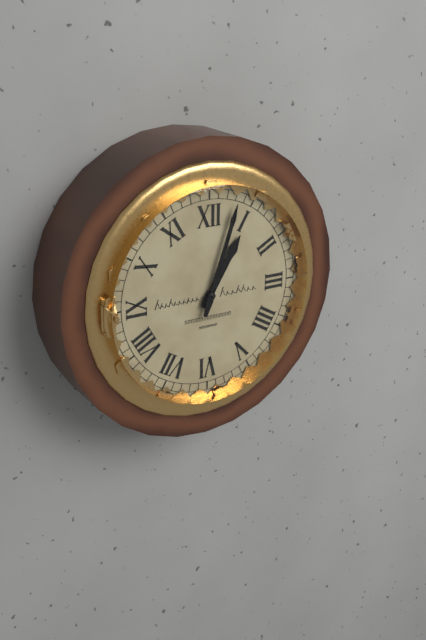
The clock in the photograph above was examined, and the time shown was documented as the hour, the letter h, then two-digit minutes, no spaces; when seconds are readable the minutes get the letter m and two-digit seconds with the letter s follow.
1h03
